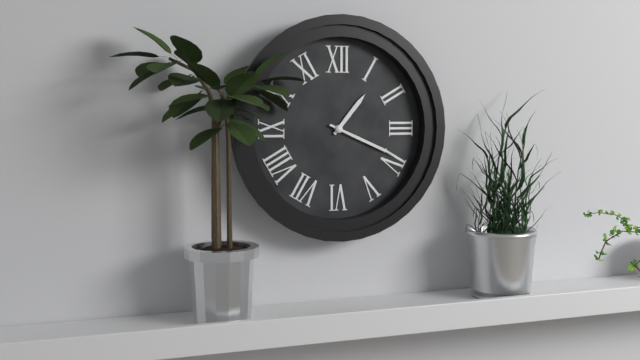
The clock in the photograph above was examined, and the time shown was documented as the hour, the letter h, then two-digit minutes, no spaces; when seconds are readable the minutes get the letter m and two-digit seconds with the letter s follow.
1h19
